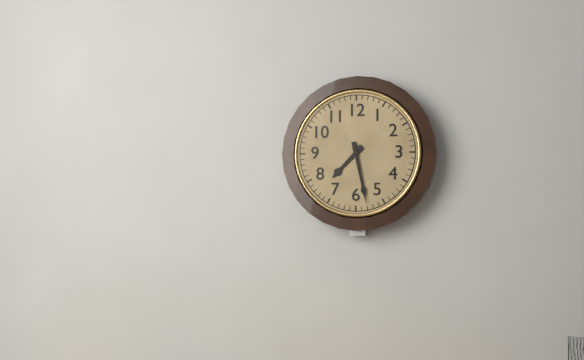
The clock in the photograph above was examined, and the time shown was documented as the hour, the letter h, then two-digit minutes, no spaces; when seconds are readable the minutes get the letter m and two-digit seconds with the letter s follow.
7h28
